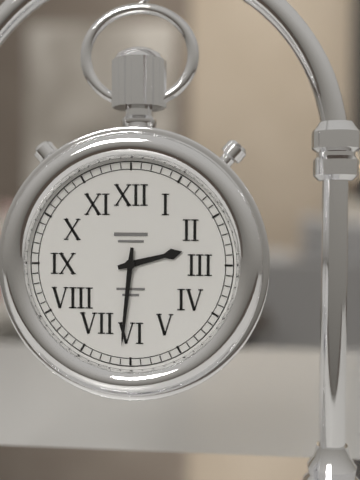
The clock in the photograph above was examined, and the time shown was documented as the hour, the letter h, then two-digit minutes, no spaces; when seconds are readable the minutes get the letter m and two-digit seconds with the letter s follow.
2h31
